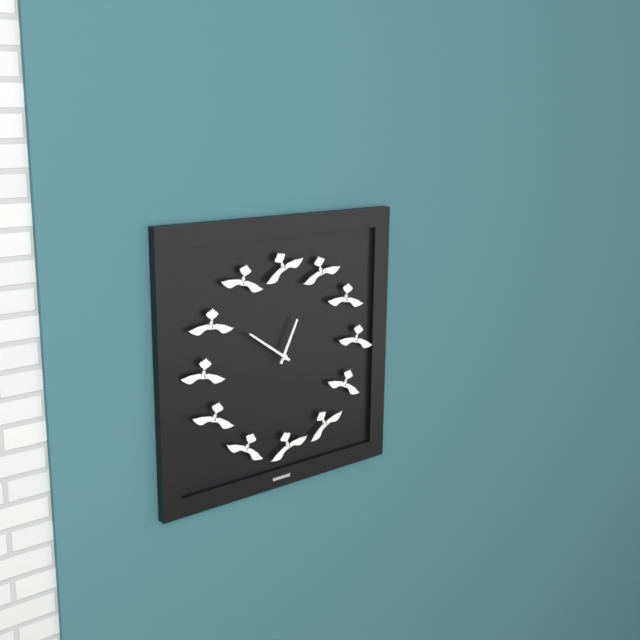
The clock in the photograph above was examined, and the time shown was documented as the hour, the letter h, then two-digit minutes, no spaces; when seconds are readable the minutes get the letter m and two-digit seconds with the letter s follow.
12h51
